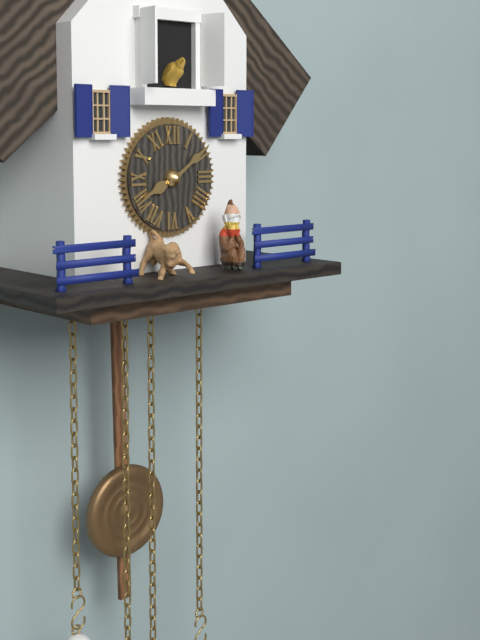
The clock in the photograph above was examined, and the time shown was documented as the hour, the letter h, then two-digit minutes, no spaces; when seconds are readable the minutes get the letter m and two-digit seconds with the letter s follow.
8h09
